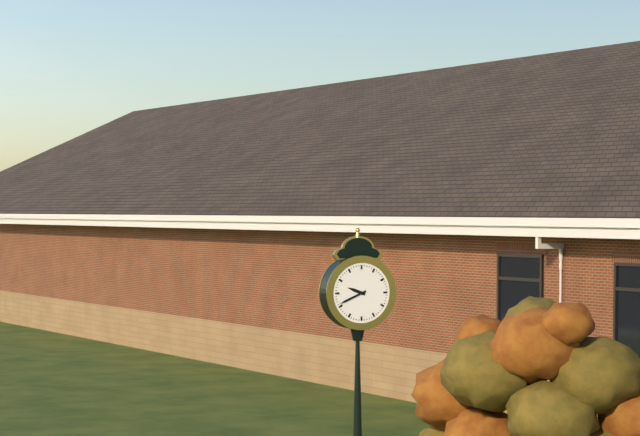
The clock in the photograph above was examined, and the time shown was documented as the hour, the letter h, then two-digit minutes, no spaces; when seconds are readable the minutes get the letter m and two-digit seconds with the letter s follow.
9h41
